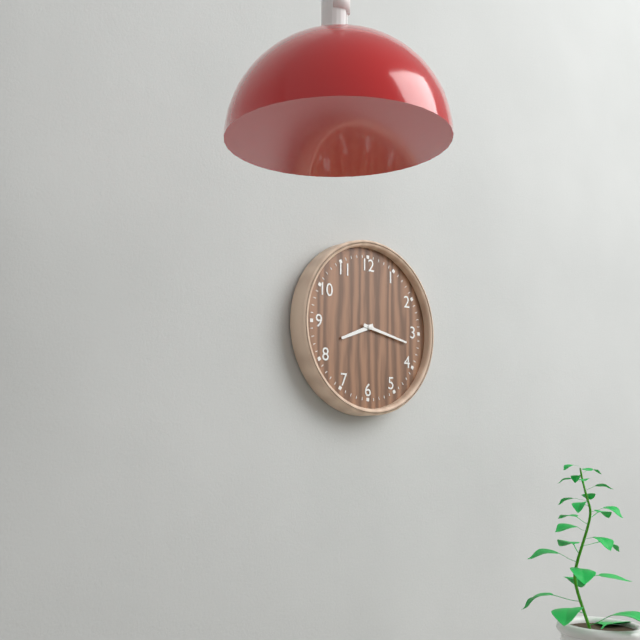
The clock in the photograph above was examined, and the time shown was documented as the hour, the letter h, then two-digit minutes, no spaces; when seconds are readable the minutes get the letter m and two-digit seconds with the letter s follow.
8h17
